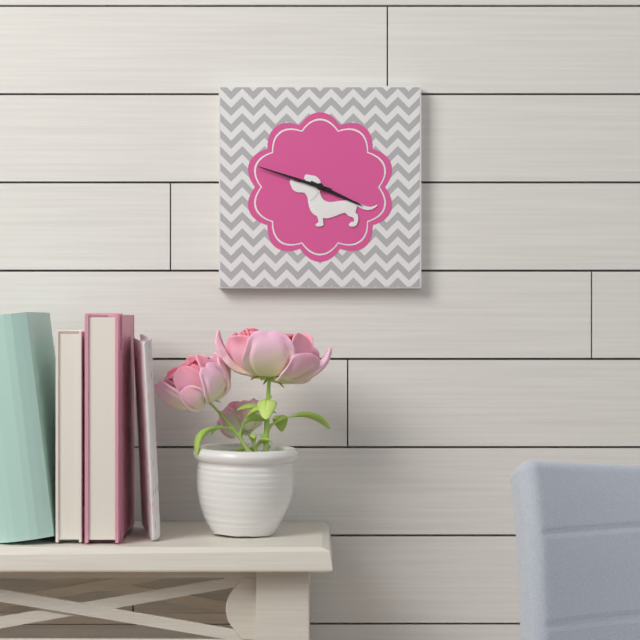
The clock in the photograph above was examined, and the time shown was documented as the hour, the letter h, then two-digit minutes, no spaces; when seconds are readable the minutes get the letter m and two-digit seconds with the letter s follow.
3h48
